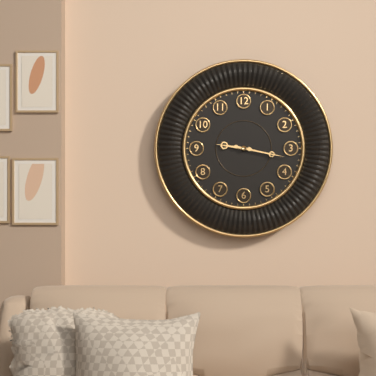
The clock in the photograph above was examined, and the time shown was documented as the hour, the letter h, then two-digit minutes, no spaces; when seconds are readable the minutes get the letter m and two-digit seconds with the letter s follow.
9h17
